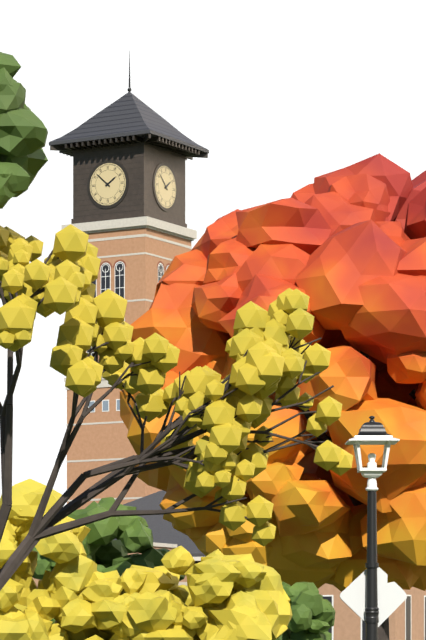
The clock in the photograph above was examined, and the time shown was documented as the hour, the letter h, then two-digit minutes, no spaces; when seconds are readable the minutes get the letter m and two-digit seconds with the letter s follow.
1h52
